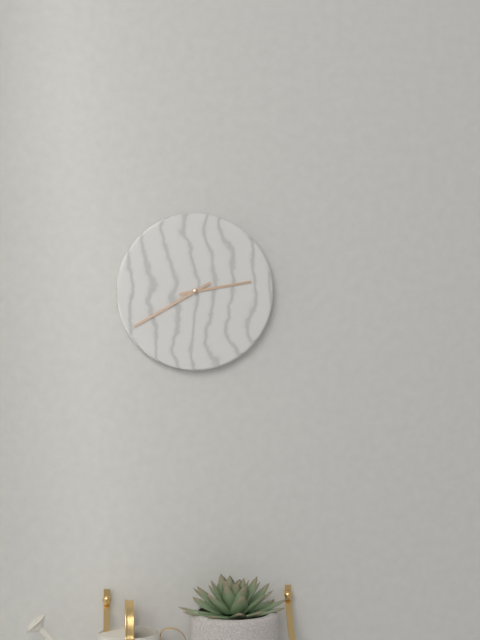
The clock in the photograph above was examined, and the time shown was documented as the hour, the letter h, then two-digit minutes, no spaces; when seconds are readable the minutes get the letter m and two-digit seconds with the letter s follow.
2h40
